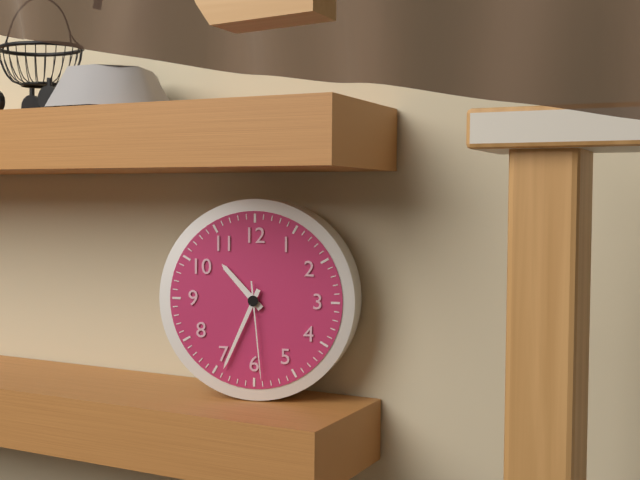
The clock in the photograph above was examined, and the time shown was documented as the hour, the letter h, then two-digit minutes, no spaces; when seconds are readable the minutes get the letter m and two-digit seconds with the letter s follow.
10h34m29s
